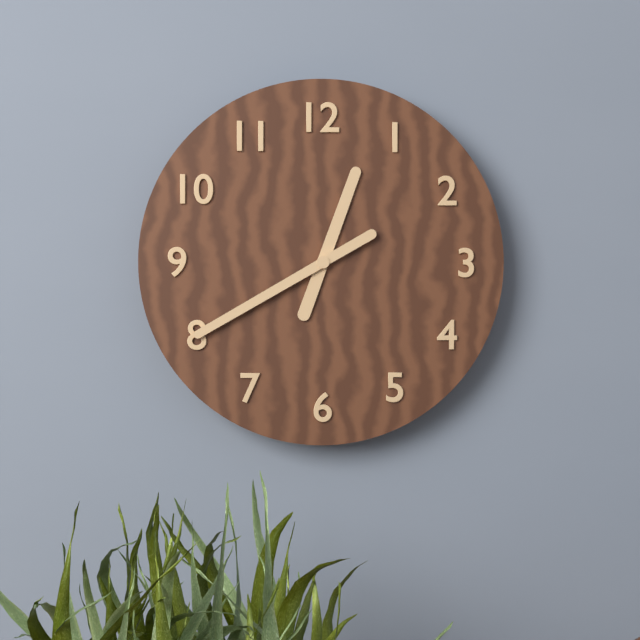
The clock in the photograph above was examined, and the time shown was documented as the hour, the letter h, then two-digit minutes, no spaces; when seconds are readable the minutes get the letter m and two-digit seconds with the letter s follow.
12h40
